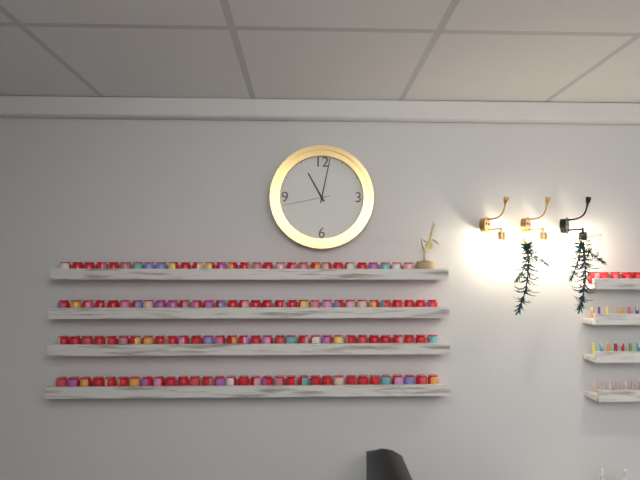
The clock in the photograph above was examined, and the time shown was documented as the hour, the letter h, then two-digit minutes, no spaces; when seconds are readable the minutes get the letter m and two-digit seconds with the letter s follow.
11h02
